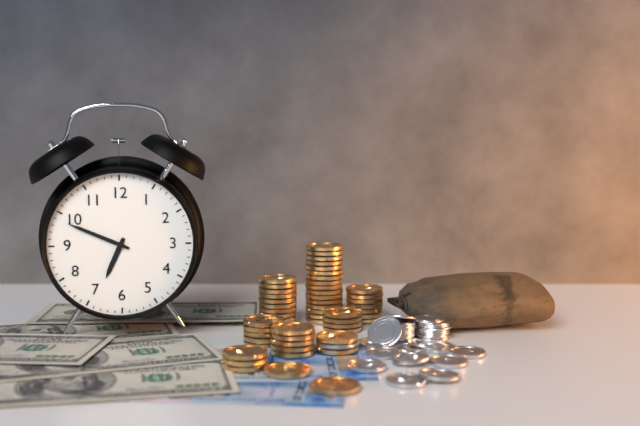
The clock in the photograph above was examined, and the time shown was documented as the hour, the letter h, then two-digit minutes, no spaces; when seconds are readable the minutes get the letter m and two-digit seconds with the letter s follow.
6h49
